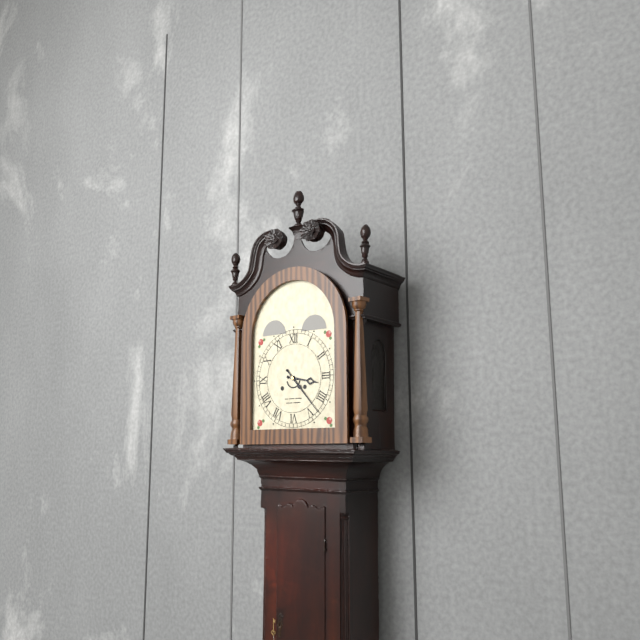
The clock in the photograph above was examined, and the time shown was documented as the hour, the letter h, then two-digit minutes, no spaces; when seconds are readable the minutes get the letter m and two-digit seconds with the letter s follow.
3h23
